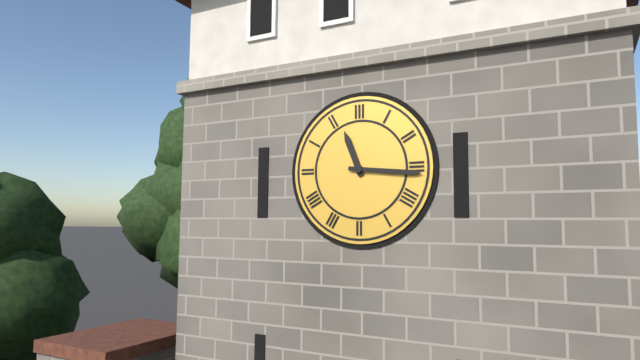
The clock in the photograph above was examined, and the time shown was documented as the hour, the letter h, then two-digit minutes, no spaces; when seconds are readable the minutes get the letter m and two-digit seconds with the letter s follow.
11h16
